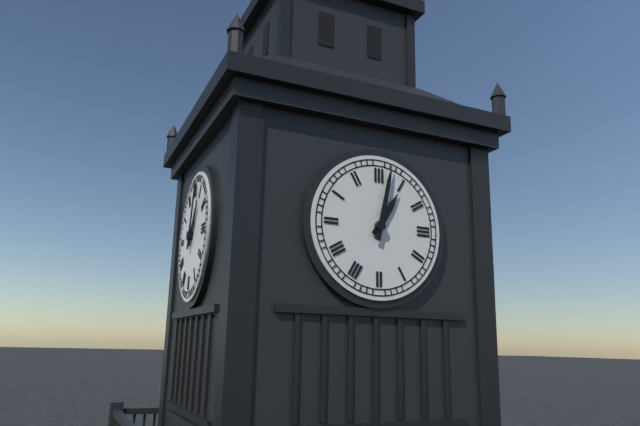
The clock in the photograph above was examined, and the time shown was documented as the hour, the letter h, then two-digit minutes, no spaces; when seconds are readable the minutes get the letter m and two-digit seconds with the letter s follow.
1h02
